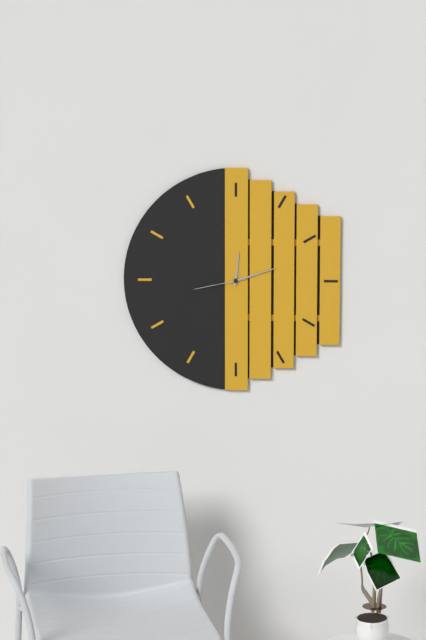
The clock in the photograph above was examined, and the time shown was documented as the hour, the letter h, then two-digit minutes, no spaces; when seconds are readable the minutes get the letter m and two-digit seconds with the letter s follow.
12h12m43s
